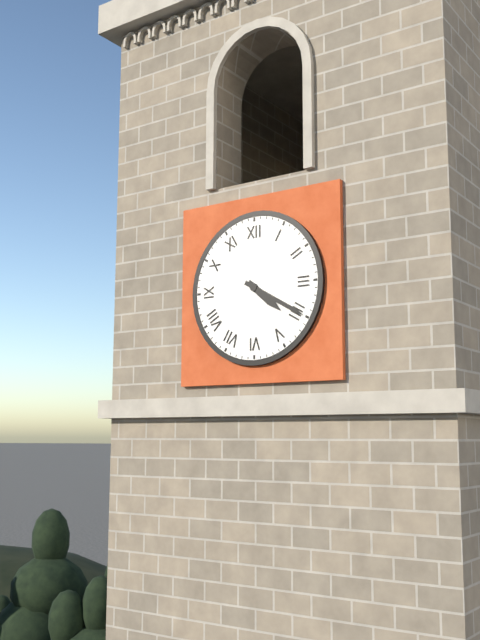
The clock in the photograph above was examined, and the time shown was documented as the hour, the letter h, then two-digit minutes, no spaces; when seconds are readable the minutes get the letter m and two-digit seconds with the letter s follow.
4h20
